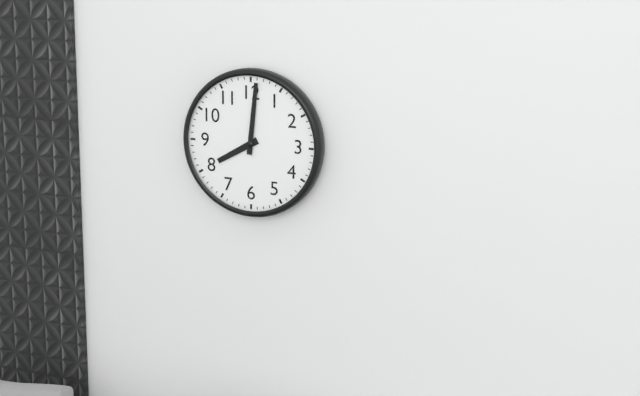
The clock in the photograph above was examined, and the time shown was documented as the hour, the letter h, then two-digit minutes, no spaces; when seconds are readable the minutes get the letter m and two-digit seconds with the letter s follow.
8h01
